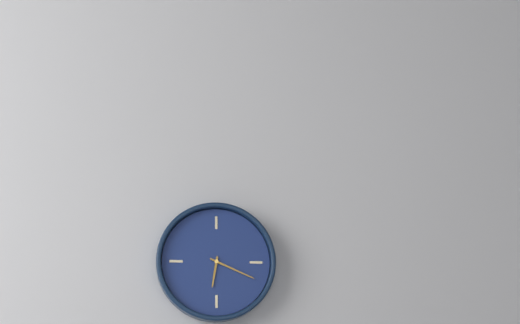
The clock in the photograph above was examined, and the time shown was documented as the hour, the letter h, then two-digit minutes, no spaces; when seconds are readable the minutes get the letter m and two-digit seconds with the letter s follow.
6h19
